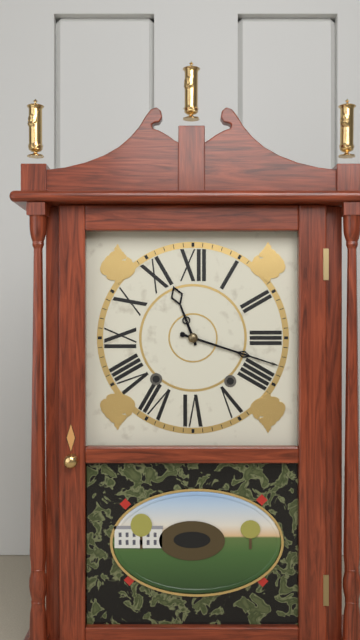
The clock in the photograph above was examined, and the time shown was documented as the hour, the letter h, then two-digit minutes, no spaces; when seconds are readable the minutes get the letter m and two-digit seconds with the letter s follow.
11h18
